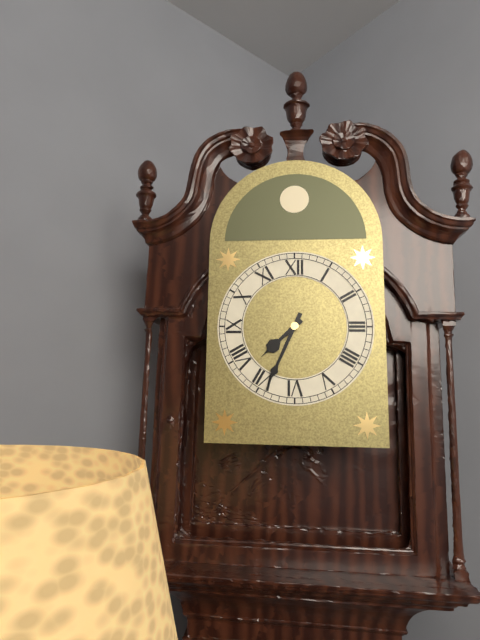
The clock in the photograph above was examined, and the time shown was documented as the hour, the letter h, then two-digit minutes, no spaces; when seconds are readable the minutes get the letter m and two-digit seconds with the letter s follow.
7h34
